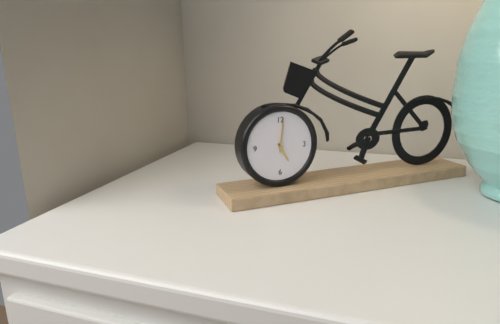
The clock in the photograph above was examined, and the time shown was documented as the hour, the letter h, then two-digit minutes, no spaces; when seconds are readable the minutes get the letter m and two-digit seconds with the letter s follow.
5h01
